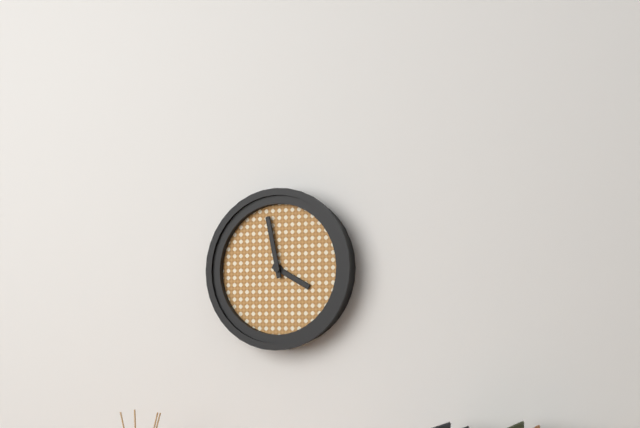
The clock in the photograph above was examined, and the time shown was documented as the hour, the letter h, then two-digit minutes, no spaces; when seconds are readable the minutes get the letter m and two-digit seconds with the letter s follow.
3h58
